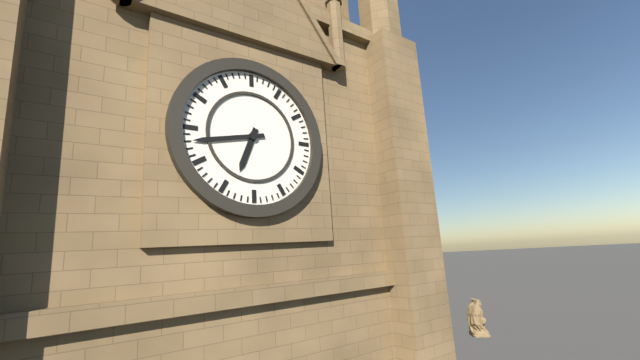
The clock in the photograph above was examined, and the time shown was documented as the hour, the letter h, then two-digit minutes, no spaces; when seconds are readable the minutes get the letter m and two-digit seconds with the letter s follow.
6h43
